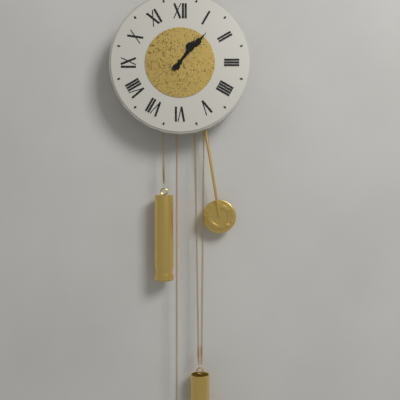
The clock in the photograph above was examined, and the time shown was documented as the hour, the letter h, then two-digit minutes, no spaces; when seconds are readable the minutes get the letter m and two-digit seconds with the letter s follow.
1h07
